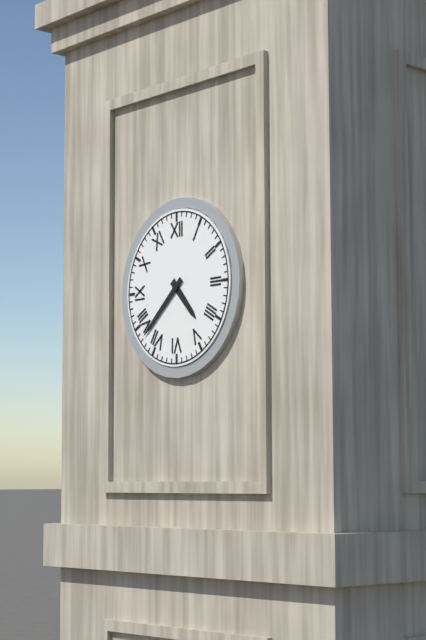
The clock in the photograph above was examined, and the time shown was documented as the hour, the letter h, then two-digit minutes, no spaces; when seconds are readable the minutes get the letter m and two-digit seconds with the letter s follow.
4h38
